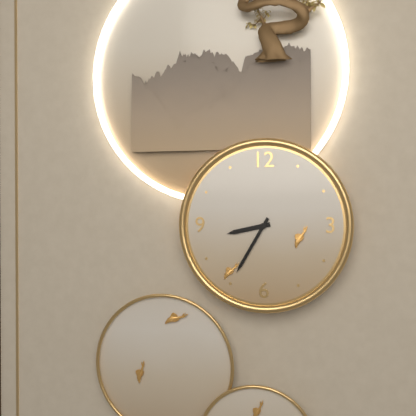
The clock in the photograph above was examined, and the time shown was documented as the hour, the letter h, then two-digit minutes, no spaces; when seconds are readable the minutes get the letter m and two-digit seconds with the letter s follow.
8h35
